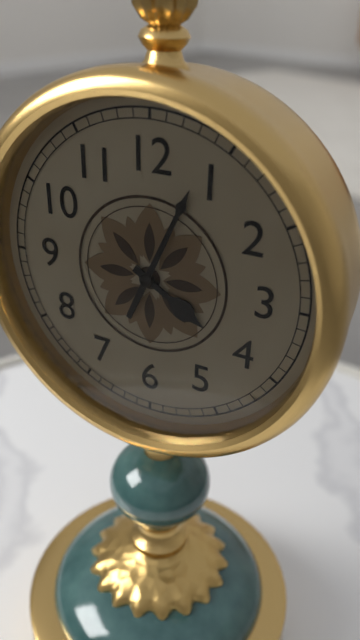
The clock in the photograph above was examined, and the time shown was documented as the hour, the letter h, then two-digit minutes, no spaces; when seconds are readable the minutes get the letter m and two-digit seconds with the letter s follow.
4h04
